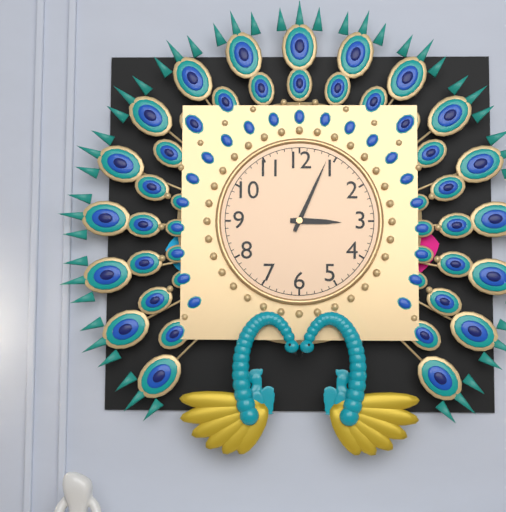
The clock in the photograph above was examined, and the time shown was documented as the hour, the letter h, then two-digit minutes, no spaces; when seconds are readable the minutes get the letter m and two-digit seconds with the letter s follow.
3h04
